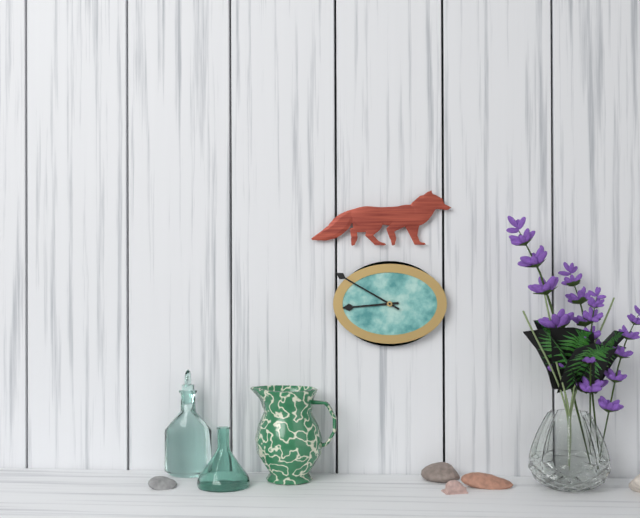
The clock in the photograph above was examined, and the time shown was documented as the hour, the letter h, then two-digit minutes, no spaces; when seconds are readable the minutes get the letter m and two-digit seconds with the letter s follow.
8h50
